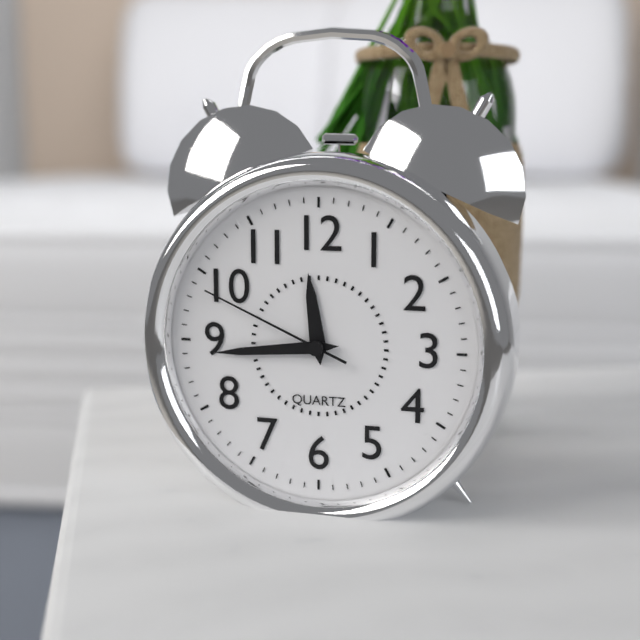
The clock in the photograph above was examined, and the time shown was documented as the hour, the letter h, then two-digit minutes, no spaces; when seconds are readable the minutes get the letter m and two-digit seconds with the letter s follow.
11h44m49s
